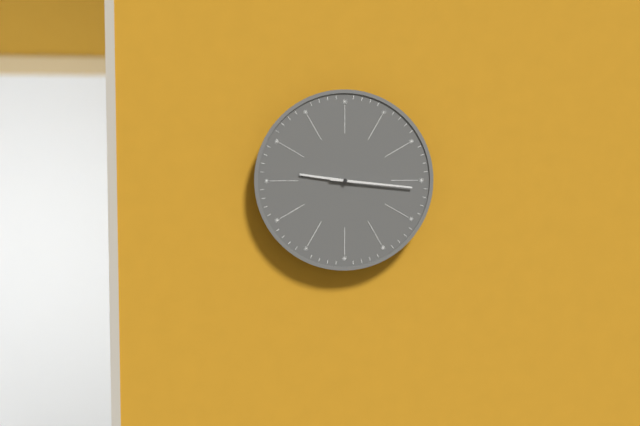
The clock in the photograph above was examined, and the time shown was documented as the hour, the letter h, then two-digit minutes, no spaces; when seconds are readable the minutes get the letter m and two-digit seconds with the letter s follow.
9h16
